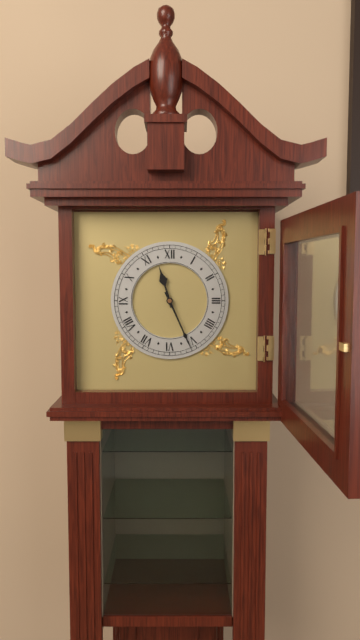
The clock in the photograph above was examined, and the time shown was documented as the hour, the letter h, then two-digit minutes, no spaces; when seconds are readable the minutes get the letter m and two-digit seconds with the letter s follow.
11h26
